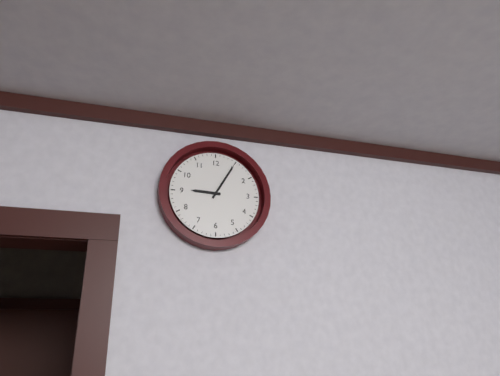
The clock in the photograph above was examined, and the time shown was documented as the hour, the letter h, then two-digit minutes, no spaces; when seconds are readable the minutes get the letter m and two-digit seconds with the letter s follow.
9h05
